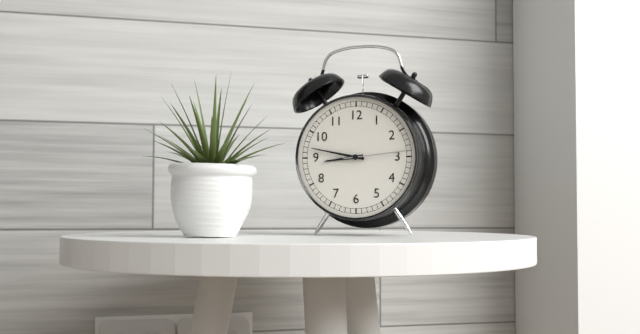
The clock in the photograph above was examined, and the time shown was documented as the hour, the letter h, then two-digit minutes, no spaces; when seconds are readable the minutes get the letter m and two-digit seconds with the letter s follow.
8h47m14s
